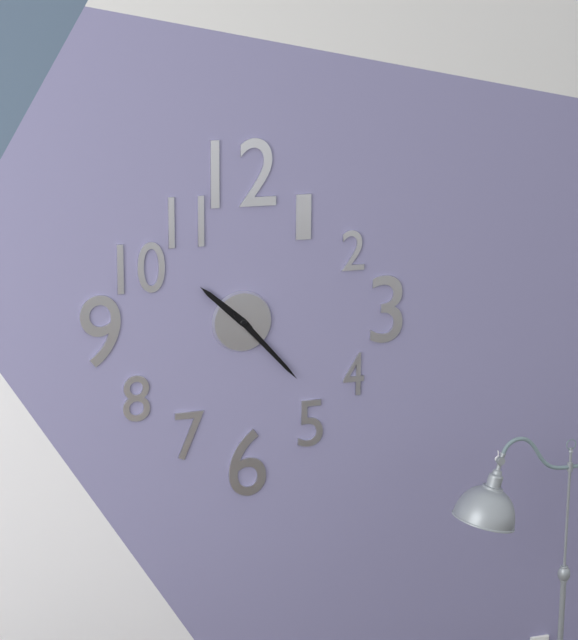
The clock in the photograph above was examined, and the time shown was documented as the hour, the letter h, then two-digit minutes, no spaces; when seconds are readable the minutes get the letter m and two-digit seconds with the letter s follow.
10h23
